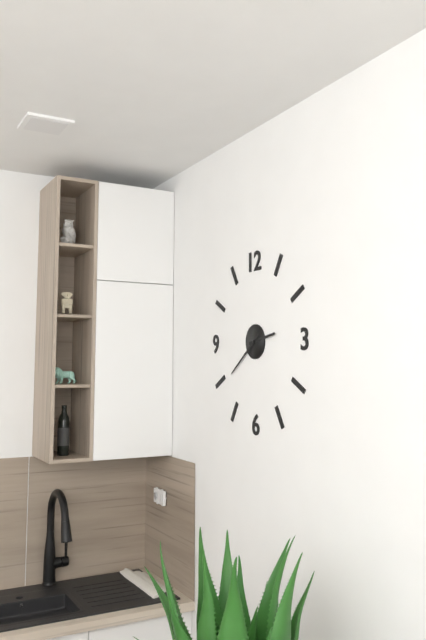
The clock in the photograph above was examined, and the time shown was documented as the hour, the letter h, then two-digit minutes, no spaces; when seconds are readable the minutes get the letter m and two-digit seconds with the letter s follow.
2h39
